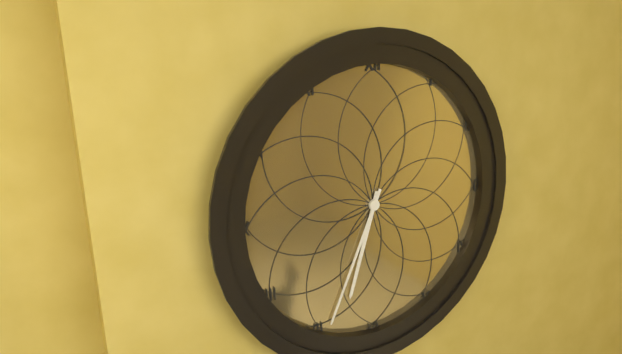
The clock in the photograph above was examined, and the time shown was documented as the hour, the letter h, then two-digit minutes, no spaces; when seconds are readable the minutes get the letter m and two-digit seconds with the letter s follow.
6h34
